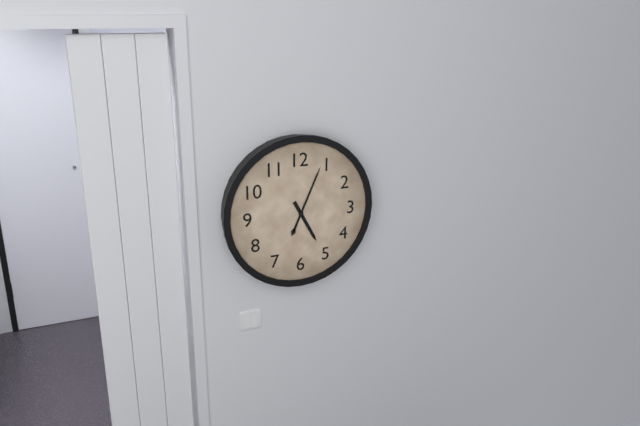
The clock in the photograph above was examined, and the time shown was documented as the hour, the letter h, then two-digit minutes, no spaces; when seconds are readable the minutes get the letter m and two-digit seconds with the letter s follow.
5h04
